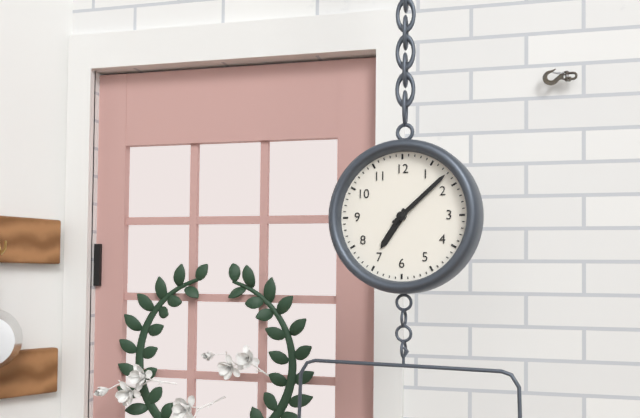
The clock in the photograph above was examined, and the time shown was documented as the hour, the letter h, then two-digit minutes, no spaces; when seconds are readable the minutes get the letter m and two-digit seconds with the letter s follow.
7h08
